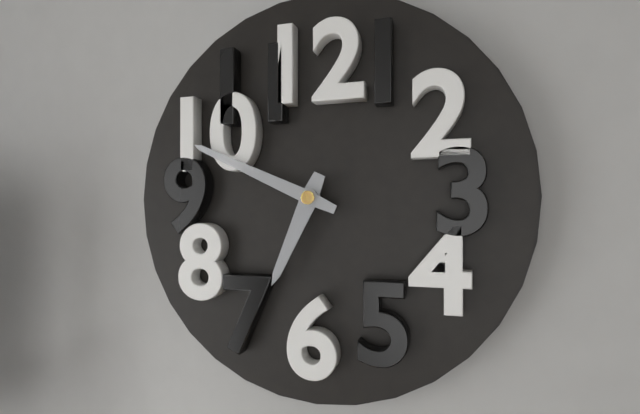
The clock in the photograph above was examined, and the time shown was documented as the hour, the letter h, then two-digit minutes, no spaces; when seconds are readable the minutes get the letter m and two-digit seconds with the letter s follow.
6h49
